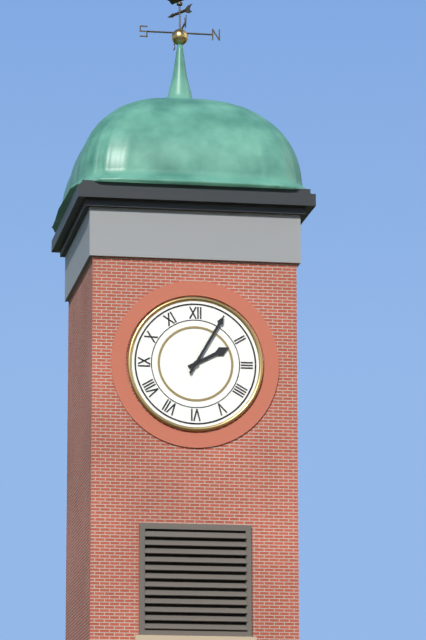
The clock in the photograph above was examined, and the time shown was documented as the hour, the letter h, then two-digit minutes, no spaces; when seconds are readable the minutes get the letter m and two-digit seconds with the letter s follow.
2h05
